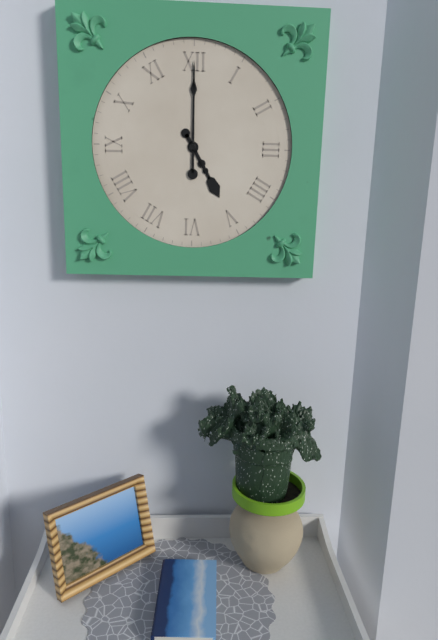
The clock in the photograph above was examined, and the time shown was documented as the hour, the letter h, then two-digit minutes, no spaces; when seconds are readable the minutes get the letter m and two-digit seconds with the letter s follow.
5h00
